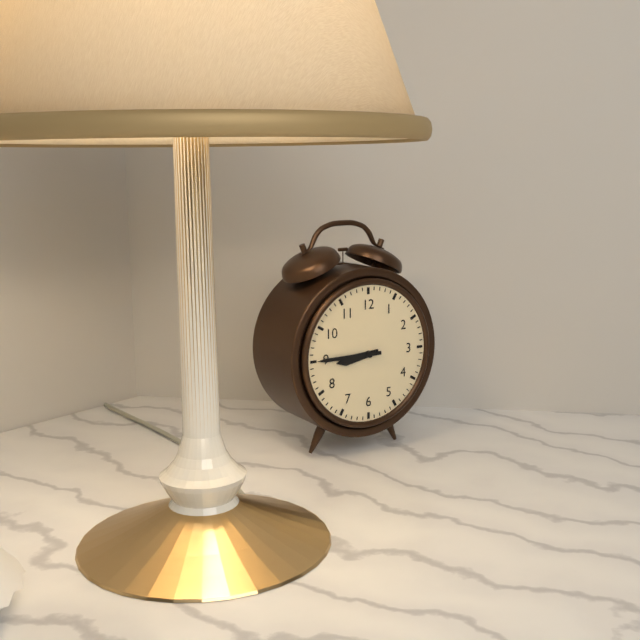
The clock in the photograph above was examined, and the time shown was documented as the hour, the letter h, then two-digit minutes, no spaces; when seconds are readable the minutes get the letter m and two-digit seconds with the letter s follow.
8h45
